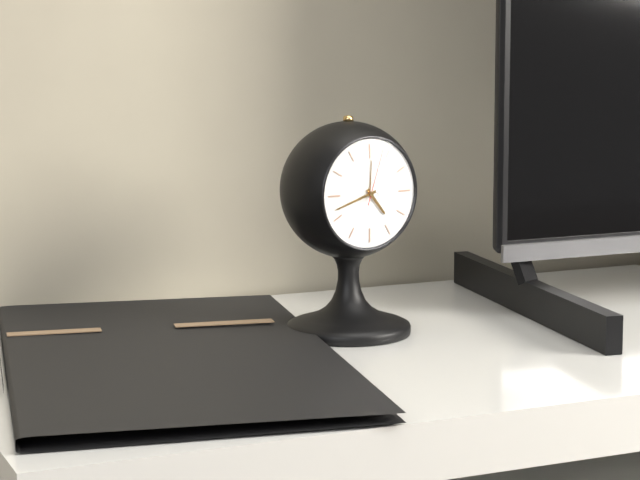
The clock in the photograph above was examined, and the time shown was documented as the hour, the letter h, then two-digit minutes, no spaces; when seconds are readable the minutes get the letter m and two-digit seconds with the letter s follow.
4h42m03s
